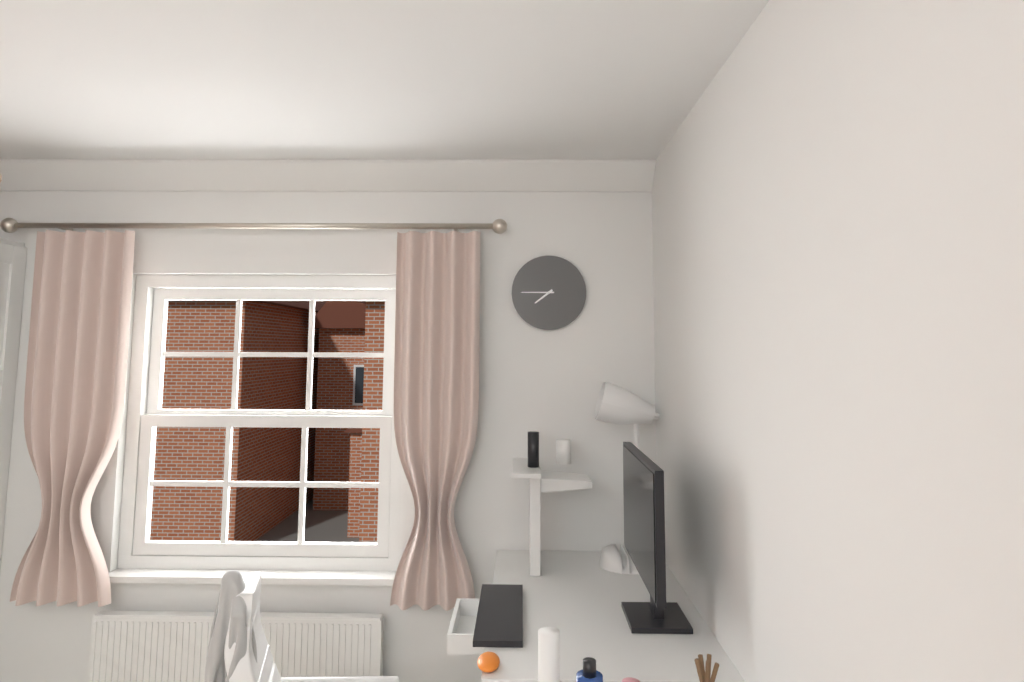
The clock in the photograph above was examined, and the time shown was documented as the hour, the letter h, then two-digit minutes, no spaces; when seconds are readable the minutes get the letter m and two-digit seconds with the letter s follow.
7h45
